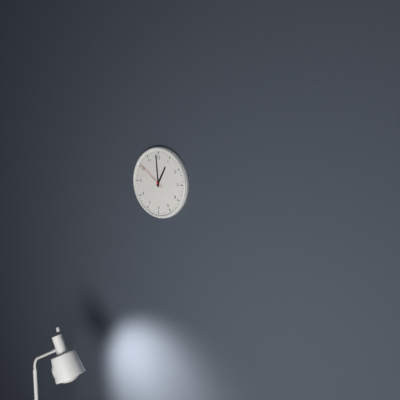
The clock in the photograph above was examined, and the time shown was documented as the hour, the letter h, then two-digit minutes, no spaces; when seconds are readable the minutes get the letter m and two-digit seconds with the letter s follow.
12h59
